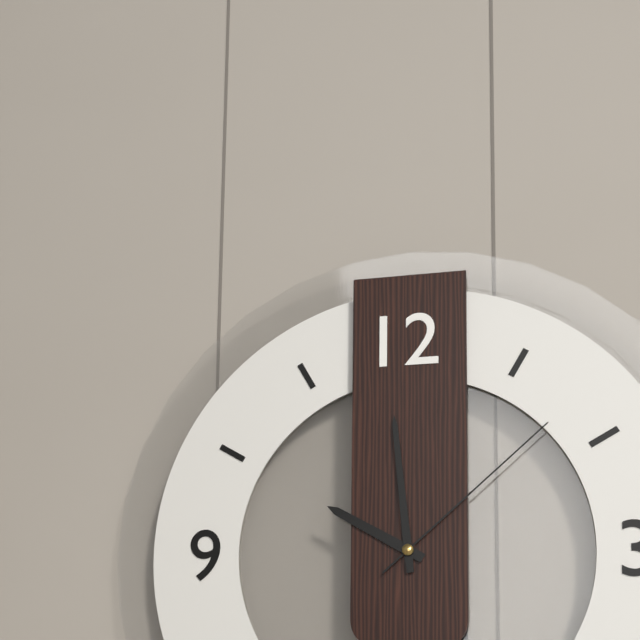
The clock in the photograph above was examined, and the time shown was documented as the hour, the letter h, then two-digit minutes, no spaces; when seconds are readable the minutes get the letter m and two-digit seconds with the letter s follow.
9h59m08s
